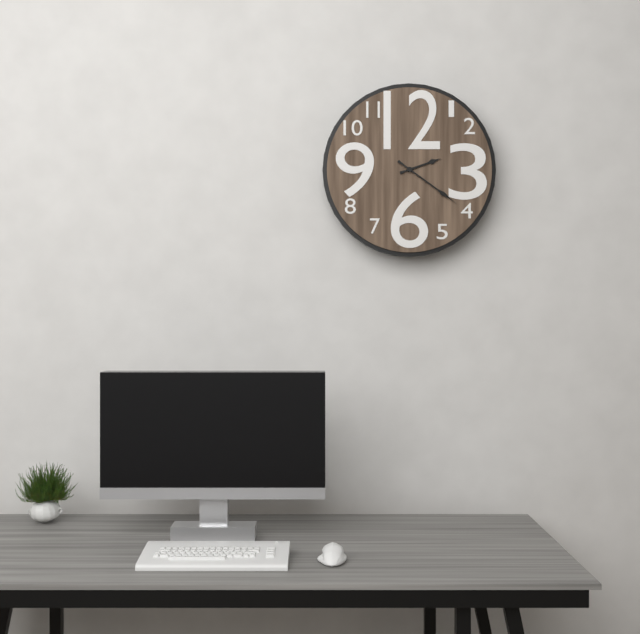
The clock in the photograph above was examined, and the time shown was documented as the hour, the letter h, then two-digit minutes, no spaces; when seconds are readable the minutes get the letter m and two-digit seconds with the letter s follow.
2h21
